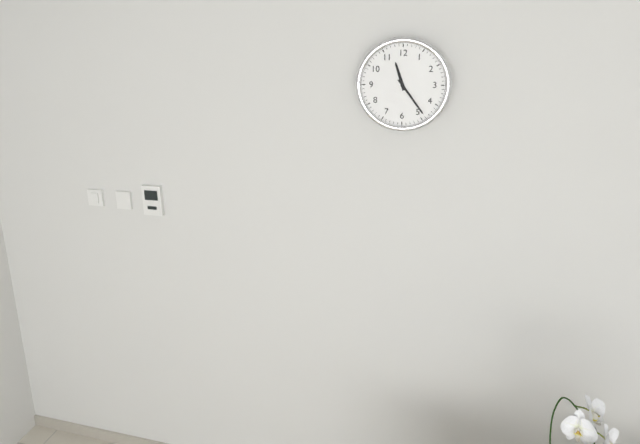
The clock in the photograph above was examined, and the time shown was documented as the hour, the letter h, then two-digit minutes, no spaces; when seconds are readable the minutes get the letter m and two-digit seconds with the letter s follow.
11h24
